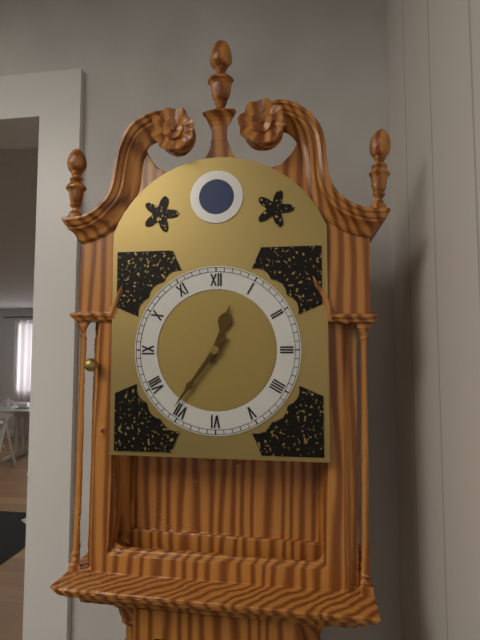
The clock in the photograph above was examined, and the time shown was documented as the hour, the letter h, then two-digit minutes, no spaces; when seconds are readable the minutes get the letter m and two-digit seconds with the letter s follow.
12h36
